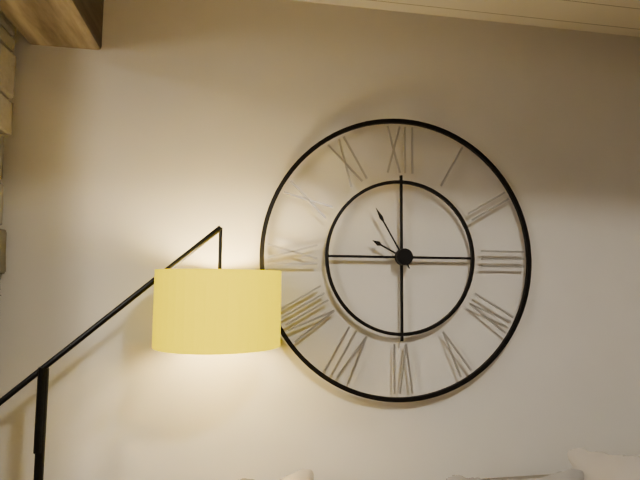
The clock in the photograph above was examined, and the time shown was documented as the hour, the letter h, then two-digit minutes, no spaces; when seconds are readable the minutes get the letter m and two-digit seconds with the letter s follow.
9h55
